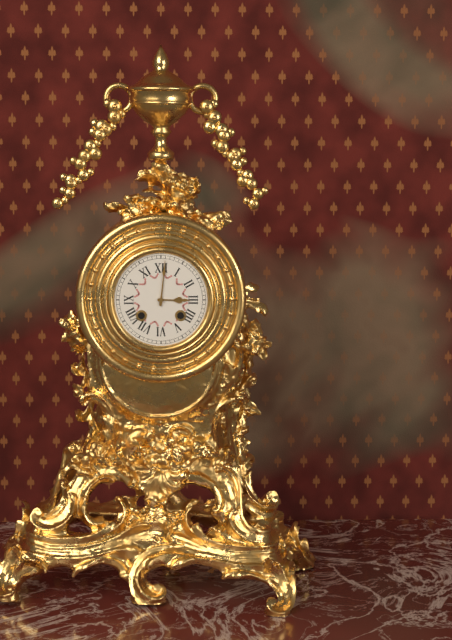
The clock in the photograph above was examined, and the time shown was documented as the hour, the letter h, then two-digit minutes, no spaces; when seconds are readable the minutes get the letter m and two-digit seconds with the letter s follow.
3h01
